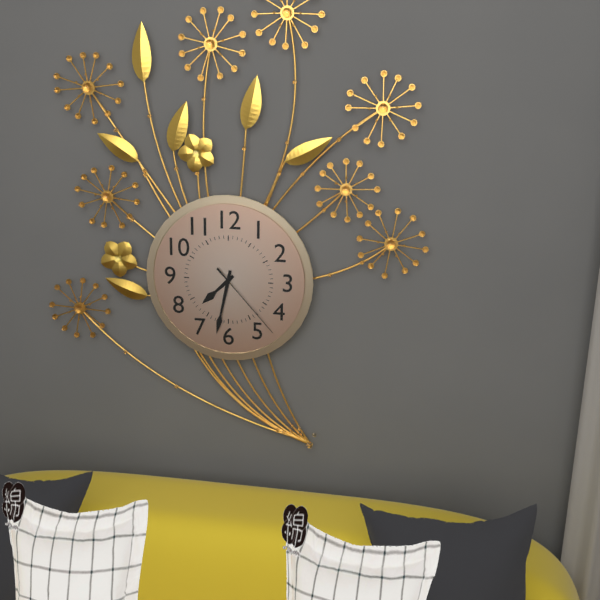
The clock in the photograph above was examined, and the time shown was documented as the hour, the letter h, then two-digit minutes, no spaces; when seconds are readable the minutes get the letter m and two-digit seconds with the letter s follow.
7h32m23s
